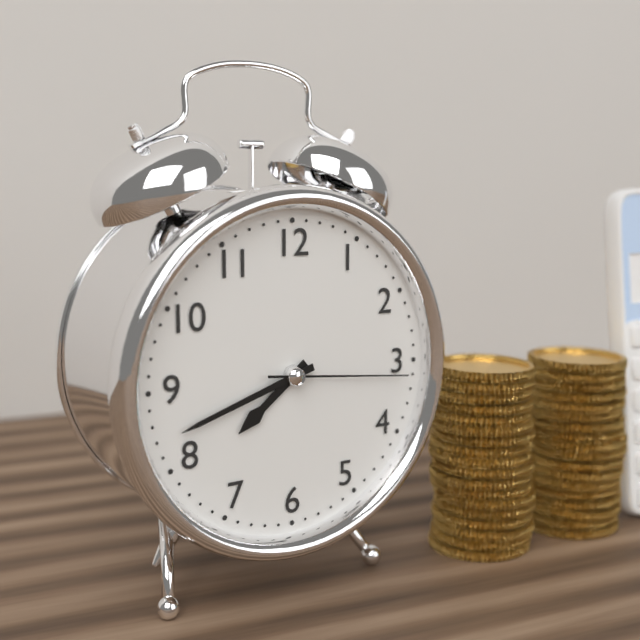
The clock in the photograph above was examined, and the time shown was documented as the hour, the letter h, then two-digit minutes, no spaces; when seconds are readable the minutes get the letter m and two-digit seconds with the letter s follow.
7h42m16s
